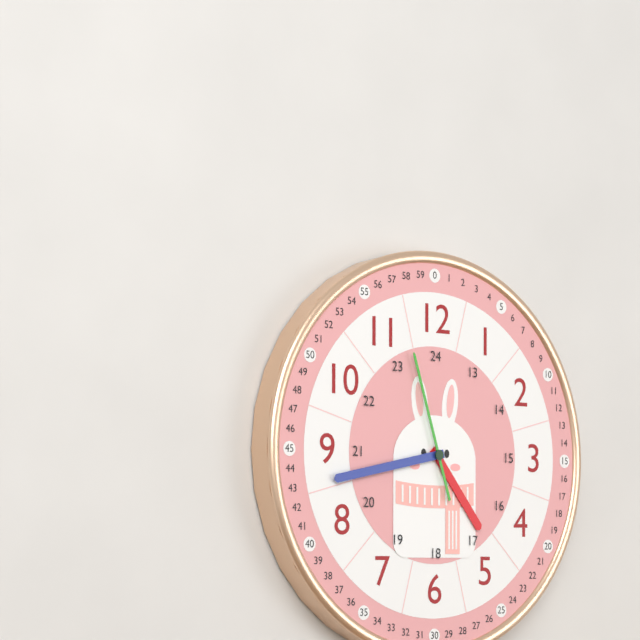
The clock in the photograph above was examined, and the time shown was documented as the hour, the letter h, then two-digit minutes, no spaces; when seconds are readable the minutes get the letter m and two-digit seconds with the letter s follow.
4h43m57s
